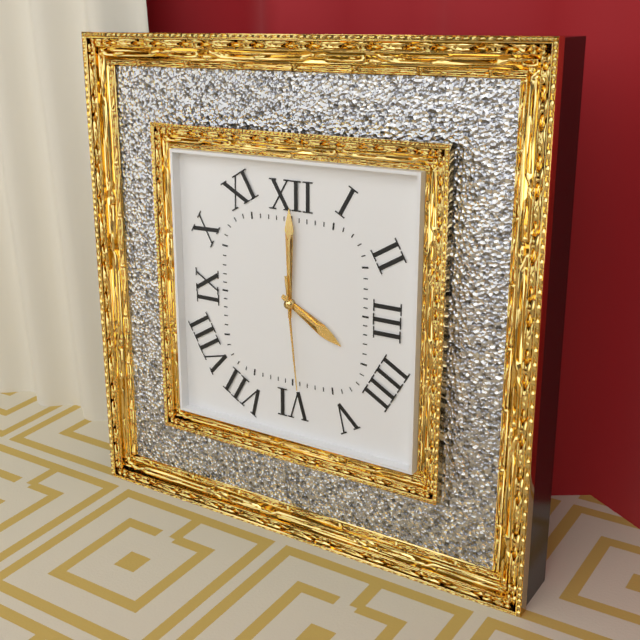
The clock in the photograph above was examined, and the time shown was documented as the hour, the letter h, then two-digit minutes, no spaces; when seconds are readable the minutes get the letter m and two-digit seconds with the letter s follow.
4h00m29s
